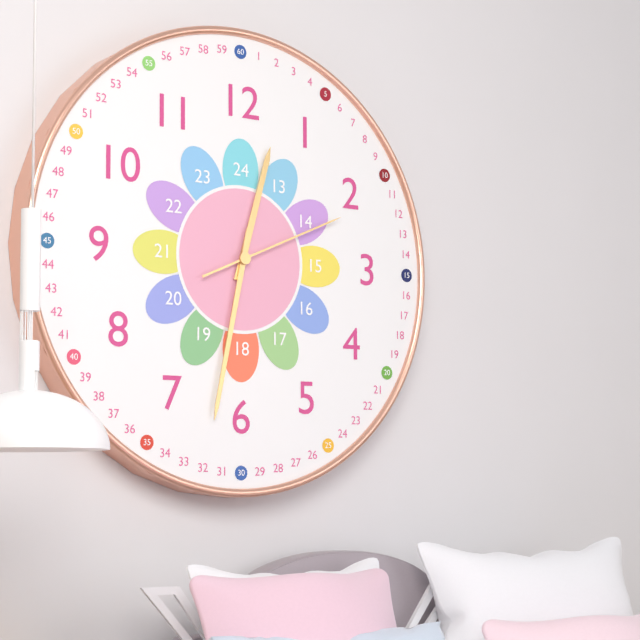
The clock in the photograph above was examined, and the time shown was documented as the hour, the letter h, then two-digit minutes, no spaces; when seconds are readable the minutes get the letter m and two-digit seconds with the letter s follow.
12h32m11s
